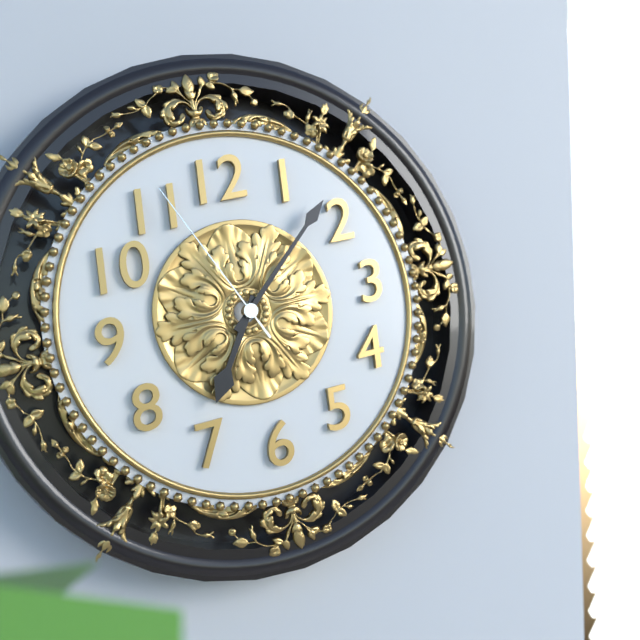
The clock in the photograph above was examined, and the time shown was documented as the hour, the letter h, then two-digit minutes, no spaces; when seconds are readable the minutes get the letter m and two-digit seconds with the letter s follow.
7h08m56s
